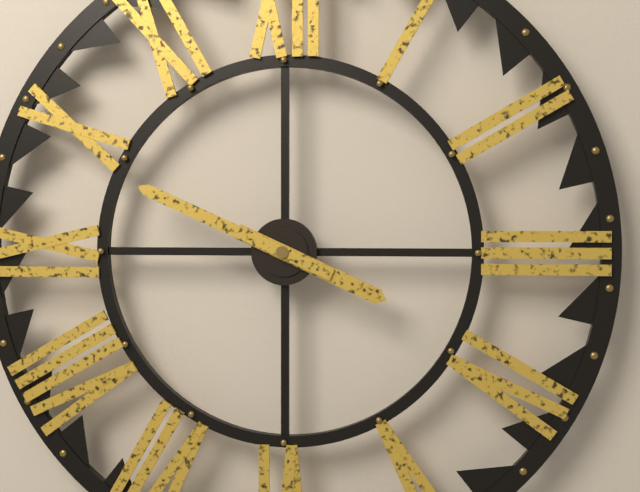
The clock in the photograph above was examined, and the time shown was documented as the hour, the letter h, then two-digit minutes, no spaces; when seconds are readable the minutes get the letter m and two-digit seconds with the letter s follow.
3h49
